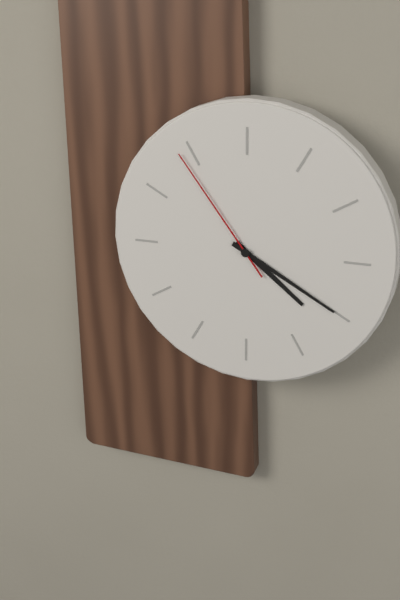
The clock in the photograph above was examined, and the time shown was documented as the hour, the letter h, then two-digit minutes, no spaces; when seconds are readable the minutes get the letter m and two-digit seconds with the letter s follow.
4h20m54s
